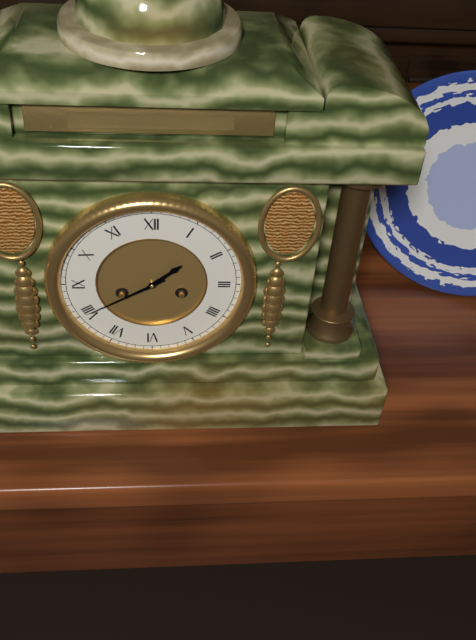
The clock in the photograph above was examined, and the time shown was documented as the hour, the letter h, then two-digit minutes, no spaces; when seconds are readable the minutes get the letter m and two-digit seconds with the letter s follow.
1h40
